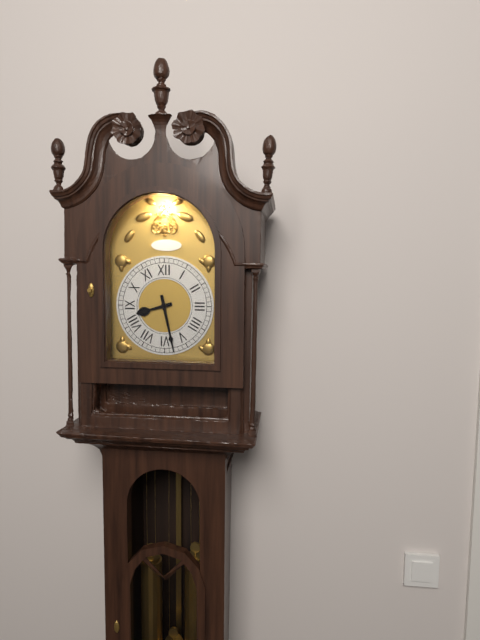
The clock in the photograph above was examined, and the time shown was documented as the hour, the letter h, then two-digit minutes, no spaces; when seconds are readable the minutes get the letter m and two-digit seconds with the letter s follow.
8h28
